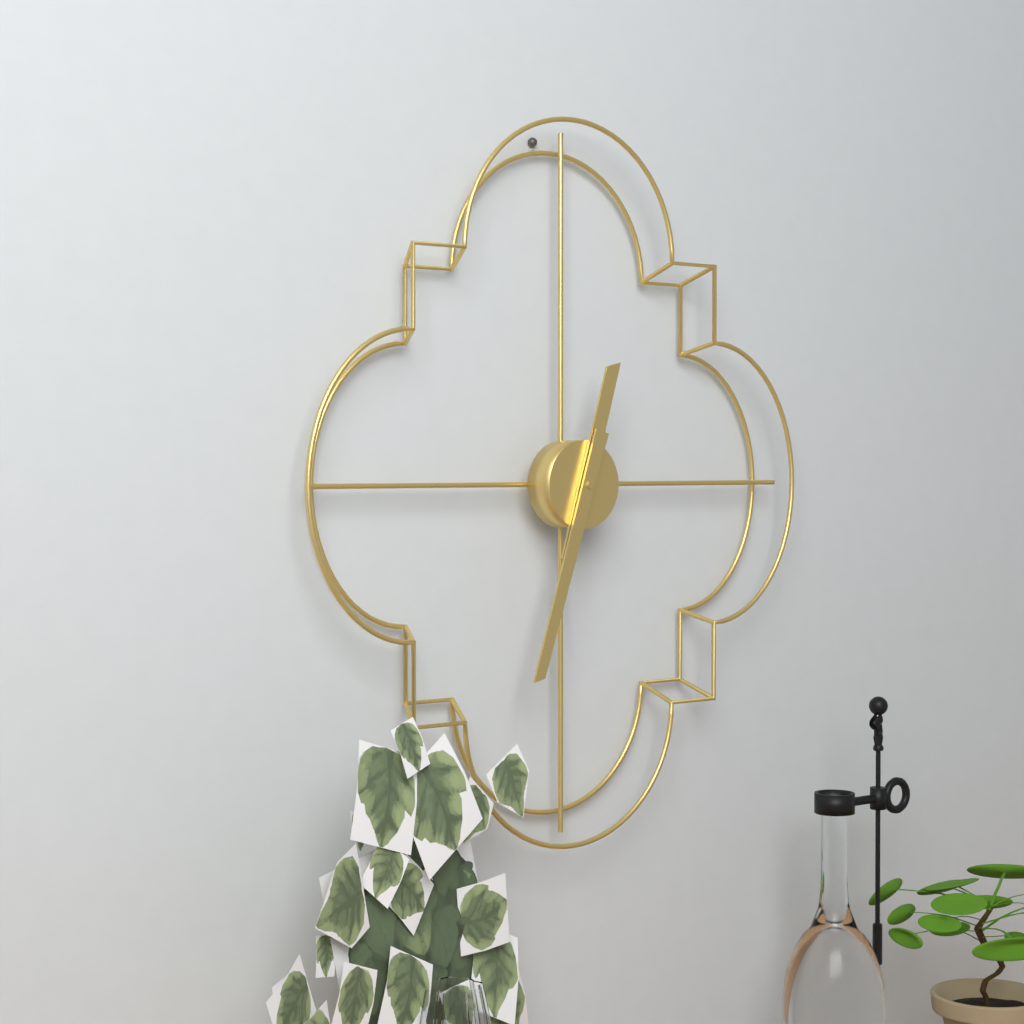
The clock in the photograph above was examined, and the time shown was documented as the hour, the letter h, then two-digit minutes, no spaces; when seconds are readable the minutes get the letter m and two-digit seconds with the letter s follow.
12h33
